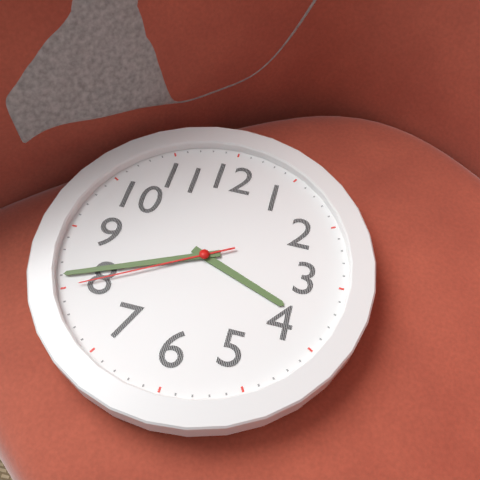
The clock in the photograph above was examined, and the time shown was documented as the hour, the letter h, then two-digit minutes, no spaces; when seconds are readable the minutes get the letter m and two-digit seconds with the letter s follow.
3h41m40s
